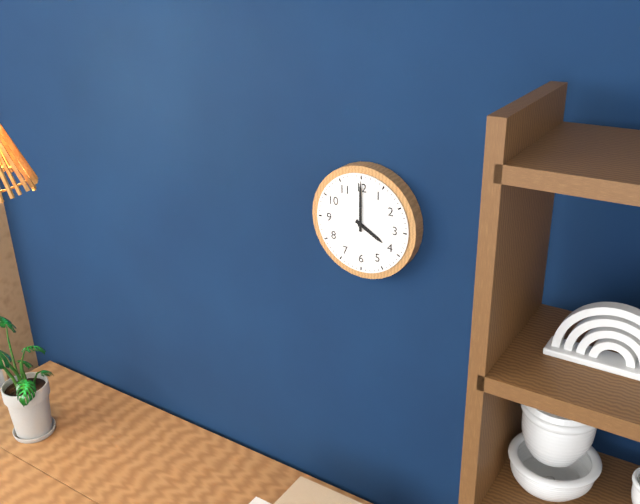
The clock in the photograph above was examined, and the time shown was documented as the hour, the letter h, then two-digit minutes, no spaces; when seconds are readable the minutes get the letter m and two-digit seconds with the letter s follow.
4h00
